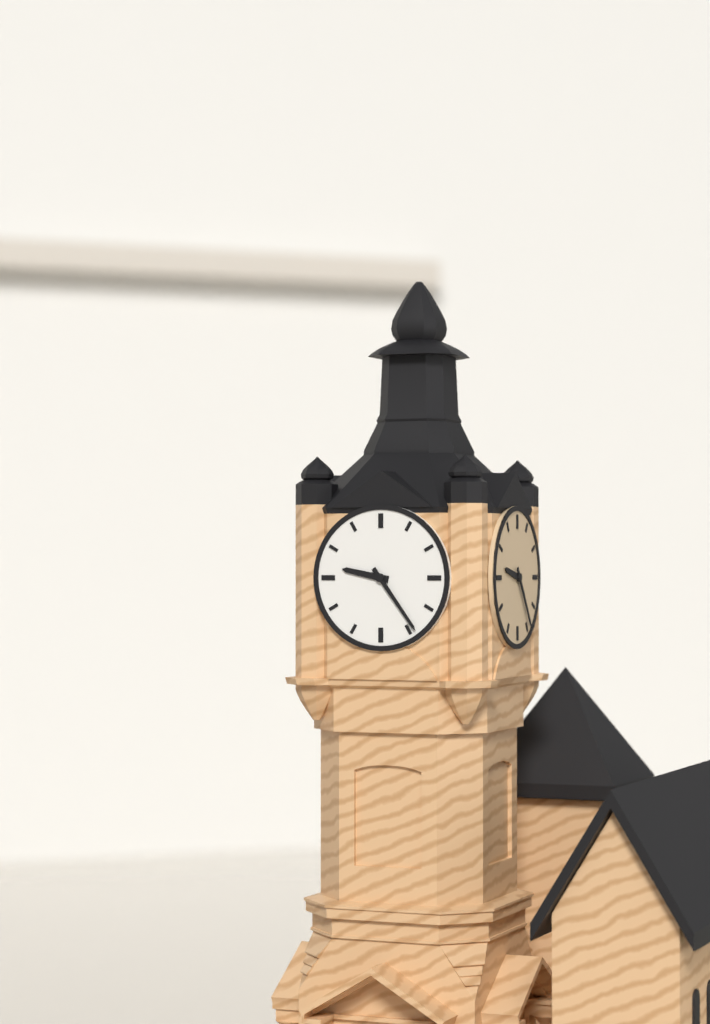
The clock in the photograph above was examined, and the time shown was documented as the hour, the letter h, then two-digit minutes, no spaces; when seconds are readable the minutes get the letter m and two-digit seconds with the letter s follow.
9h24
